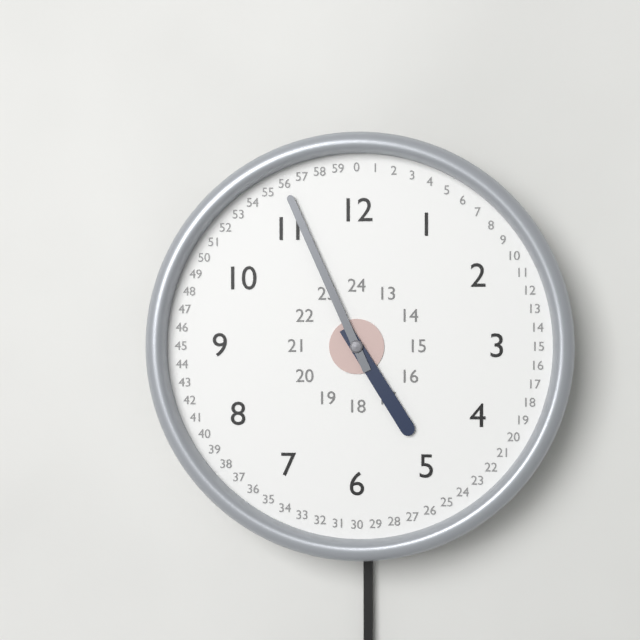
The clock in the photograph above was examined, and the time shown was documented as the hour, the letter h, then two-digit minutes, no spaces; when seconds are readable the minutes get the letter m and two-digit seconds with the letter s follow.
4h56
